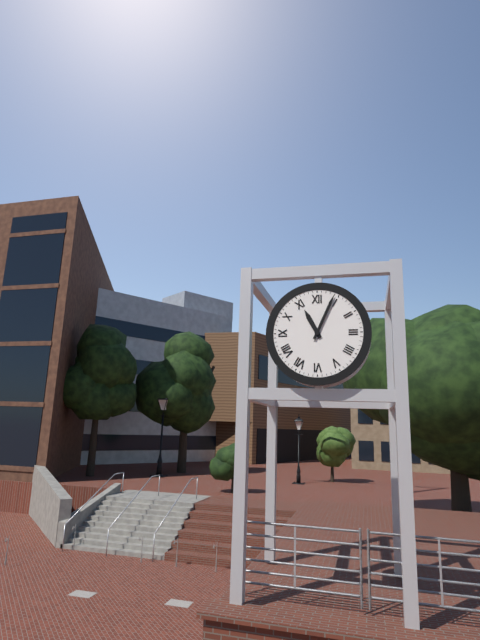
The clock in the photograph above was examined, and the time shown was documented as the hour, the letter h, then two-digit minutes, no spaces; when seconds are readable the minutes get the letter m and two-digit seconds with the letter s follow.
11h04
